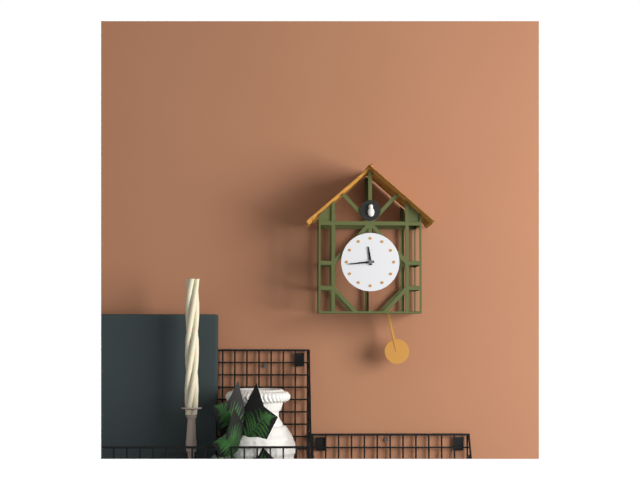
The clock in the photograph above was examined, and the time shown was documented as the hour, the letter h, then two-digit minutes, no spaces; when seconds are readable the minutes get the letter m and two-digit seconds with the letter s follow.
11h44
